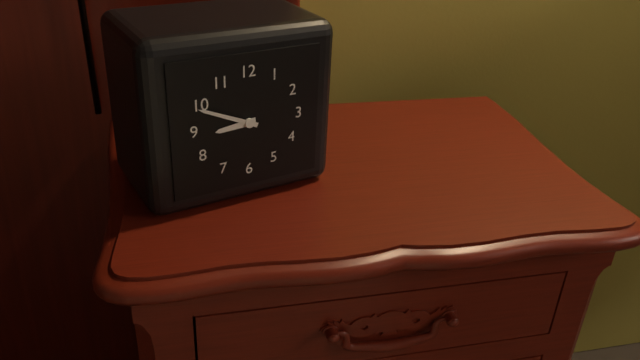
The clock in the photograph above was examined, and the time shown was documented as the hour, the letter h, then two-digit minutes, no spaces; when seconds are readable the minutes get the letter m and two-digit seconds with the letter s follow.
8h49
